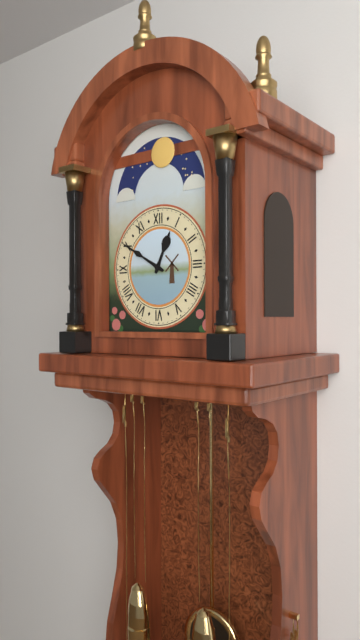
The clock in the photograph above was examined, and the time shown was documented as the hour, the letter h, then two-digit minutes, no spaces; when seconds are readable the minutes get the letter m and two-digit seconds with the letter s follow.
12h50
